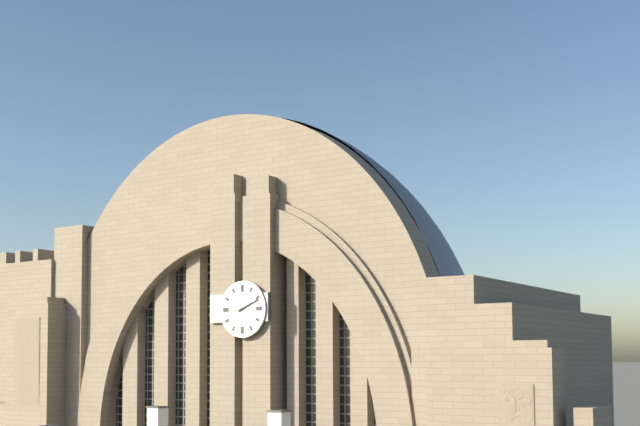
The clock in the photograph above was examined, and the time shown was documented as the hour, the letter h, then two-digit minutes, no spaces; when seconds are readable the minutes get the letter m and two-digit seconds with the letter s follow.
2h11
